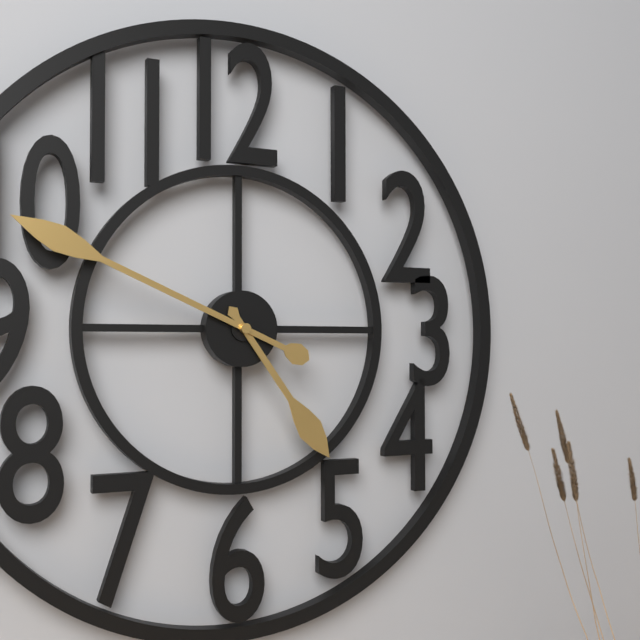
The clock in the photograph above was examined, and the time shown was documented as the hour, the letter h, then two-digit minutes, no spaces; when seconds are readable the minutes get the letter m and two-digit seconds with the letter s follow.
4h49
